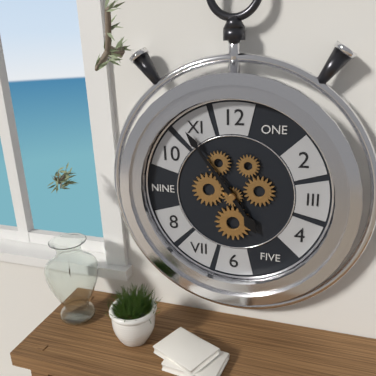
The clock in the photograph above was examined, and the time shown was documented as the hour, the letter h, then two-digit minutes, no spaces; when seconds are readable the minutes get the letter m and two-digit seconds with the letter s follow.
4h54
